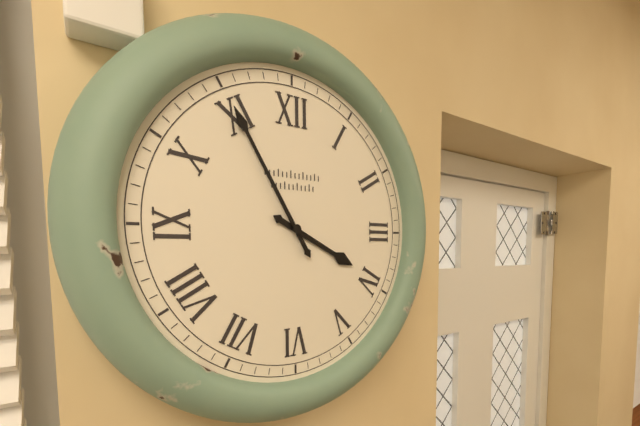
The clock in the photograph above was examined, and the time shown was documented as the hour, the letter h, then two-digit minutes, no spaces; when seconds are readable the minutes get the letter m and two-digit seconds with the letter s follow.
3h55
